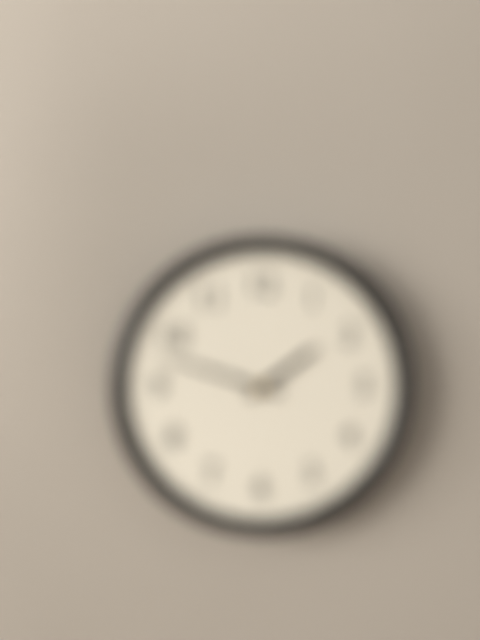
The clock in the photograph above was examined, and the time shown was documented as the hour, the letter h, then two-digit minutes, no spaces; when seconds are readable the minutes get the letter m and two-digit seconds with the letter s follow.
1h48
